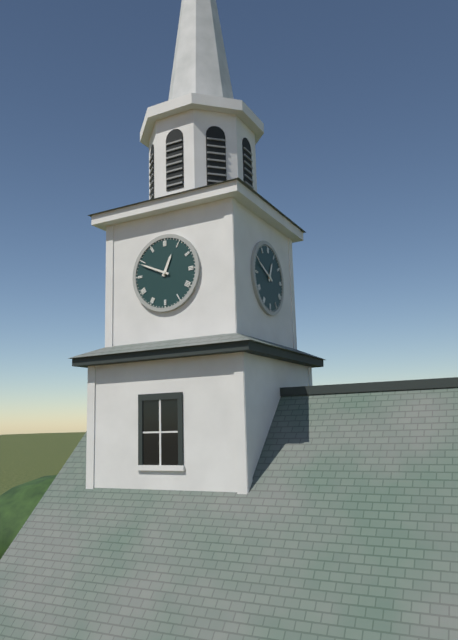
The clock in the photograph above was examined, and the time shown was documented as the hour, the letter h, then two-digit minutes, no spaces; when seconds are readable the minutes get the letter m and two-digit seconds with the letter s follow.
12h49
